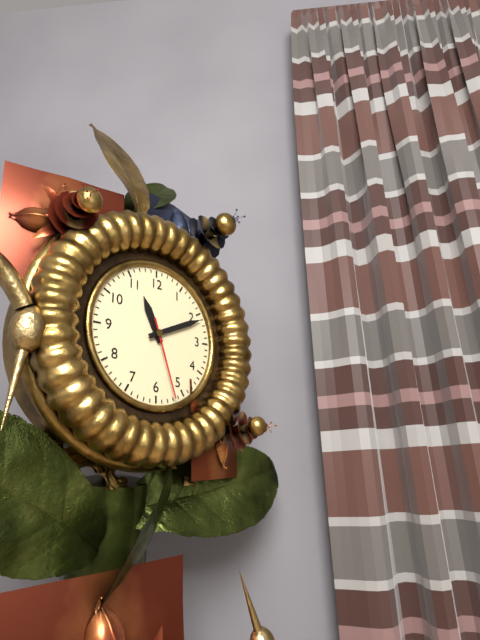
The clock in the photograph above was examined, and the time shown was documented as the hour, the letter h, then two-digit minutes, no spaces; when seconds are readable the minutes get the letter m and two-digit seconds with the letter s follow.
11h11m27s
